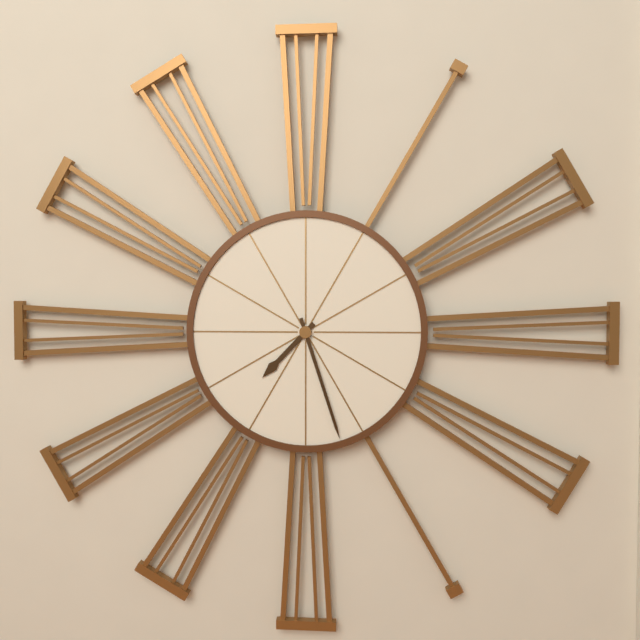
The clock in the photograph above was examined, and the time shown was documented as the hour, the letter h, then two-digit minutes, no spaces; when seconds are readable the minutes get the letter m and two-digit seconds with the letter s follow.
7h27
